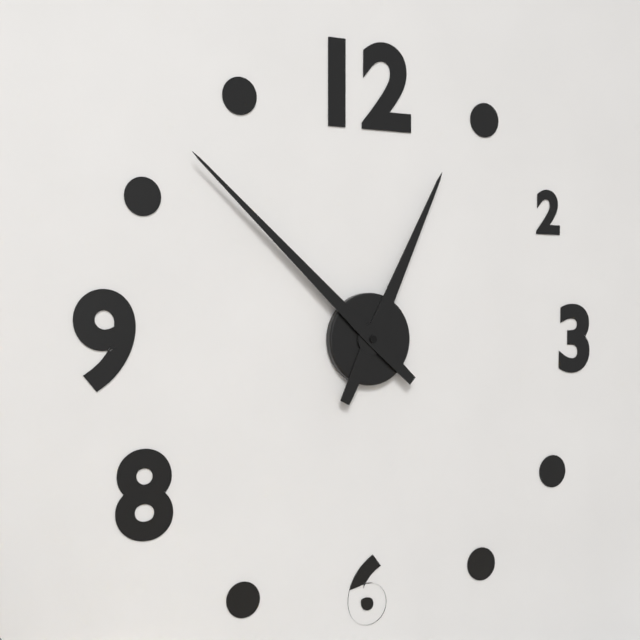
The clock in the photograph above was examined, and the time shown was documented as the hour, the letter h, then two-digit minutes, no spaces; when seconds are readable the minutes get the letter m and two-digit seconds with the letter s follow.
12h52
